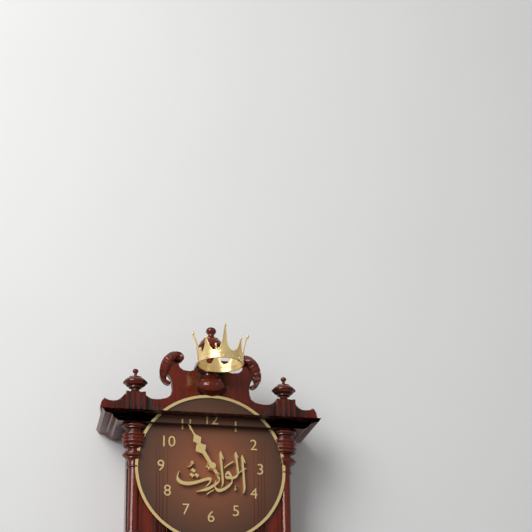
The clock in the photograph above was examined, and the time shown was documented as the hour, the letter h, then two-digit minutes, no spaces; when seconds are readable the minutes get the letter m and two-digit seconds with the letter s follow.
10h55
